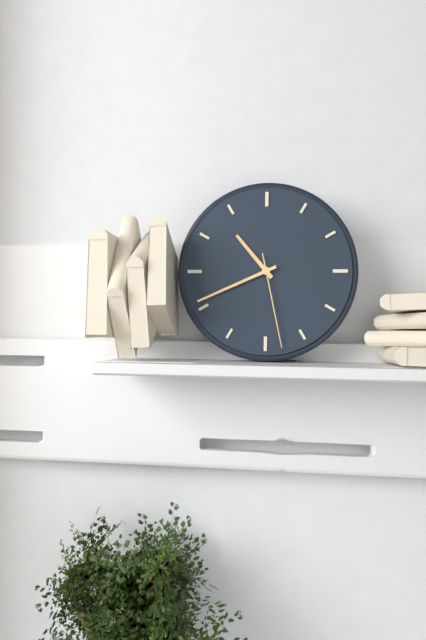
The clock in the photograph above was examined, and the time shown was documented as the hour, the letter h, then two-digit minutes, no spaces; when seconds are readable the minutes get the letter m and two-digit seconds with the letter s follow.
10h41m28s
